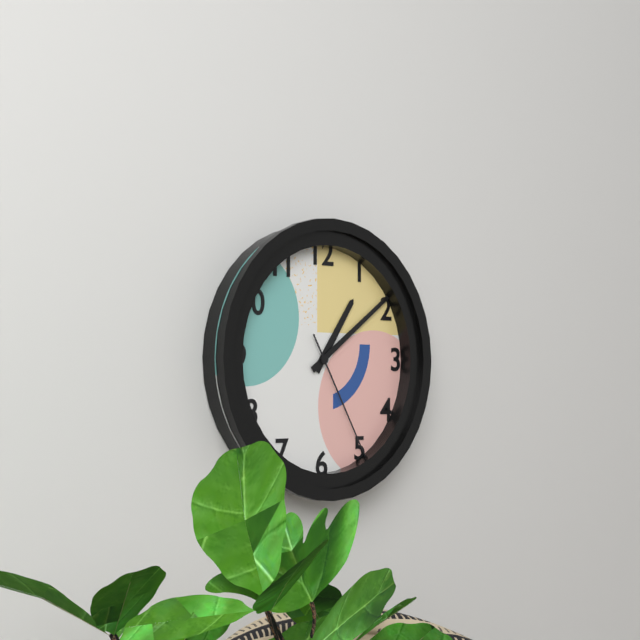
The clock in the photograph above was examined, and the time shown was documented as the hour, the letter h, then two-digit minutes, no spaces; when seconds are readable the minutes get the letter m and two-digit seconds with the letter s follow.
1h09m25s
